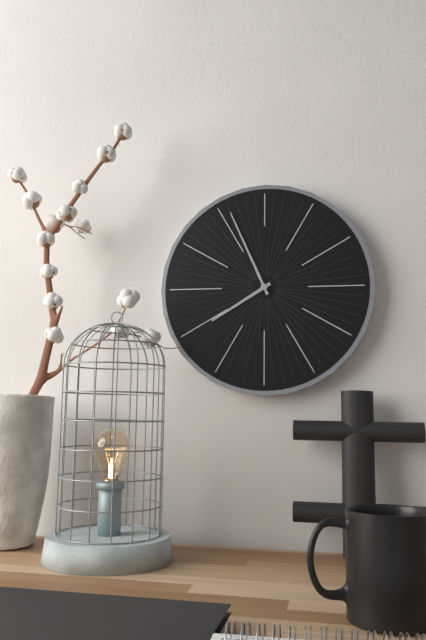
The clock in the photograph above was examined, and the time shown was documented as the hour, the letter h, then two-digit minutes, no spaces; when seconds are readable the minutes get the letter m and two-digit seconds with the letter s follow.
7h56
